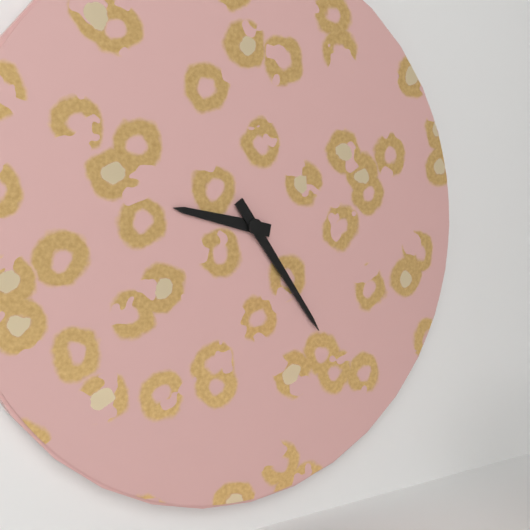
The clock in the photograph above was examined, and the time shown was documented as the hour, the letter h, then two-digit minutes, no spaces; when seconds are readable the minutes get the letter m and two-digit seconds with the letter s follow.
9h24
